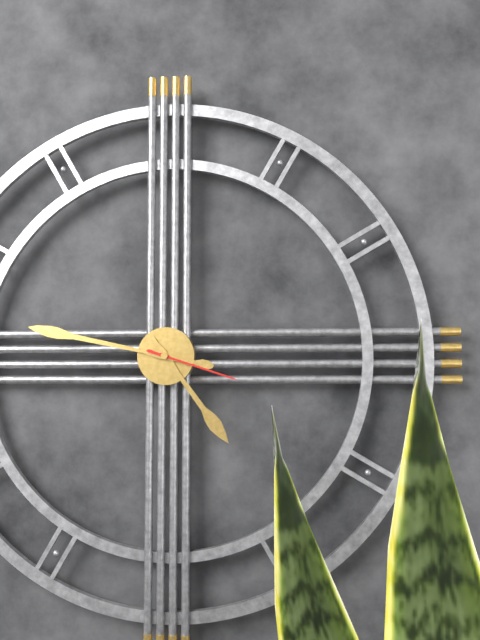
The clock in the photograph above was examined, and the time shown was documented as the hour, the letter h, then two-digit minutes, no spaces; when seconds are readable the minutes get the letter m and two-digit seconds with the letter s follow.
4h47m18s
